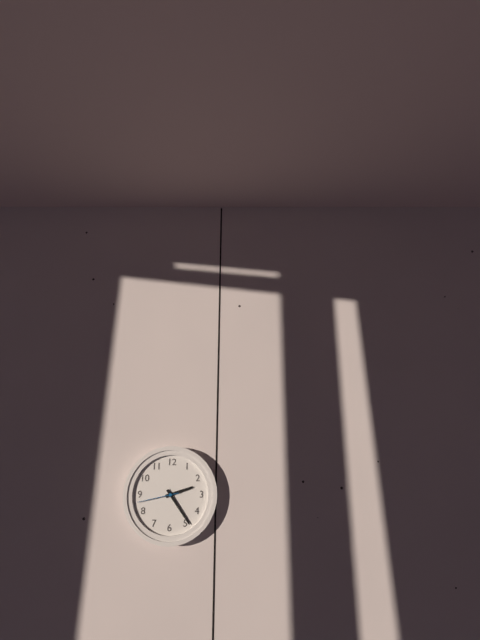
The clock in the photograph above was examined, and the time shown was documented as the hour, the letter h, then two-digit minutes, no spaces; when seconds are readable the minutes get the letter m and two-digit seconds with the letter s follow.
2h24
